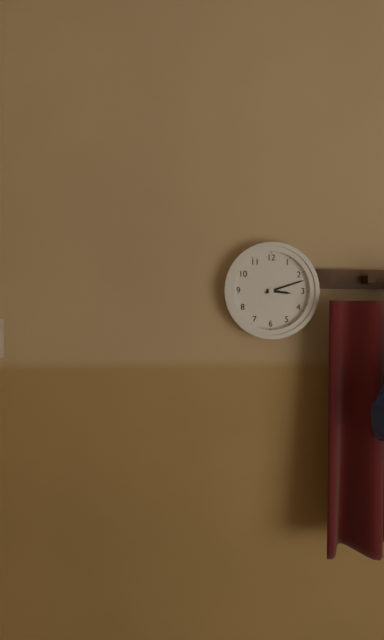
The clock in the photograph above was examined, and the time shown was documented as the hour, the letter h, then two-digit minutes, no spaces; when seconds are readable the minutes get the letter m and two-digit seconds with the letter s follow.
3h12
